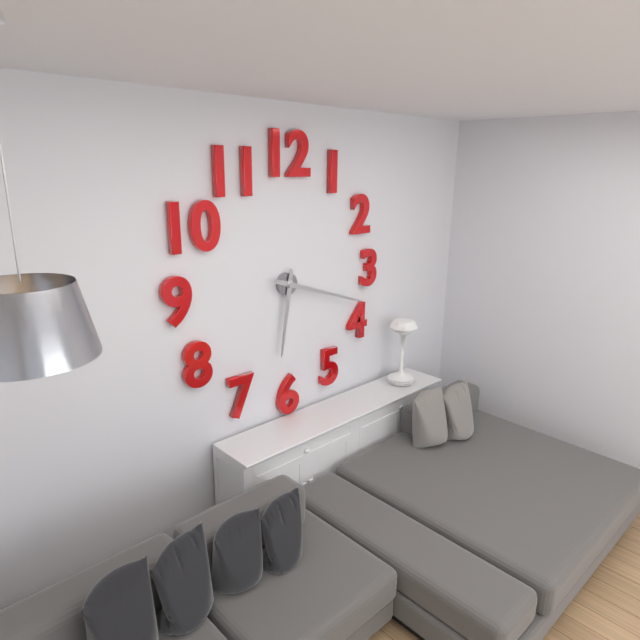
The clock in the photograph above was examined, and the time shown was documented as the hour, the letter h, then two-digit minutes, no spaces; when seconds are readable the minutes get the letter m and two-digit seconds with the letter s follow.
6h18
